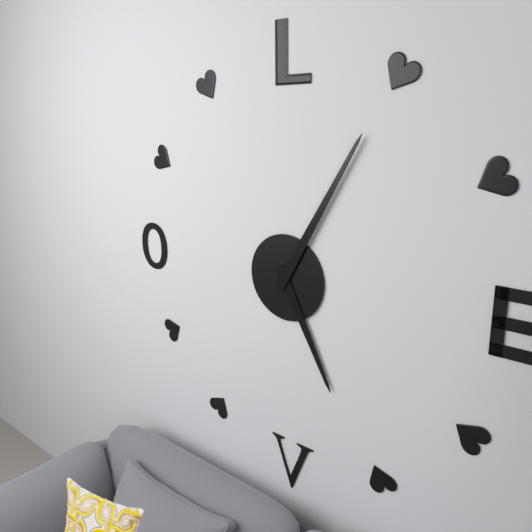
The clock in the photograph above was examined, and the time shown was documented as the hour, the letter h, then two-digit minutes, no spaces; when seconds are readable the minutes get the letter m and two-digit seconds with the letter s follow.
5h05
